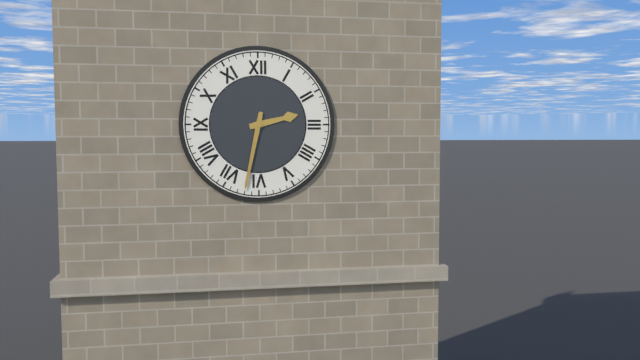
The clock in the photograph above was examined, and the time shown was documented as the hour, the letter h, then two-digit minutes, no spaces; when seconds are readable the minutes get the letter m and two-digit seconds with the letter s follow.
2h32
